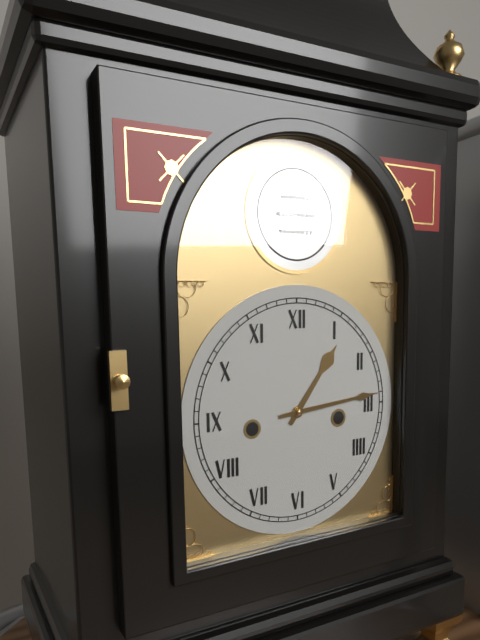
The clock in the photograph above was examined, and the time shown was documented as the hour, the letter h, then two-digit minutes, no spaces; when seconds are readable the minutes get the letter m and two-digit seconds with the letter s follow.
1h14
